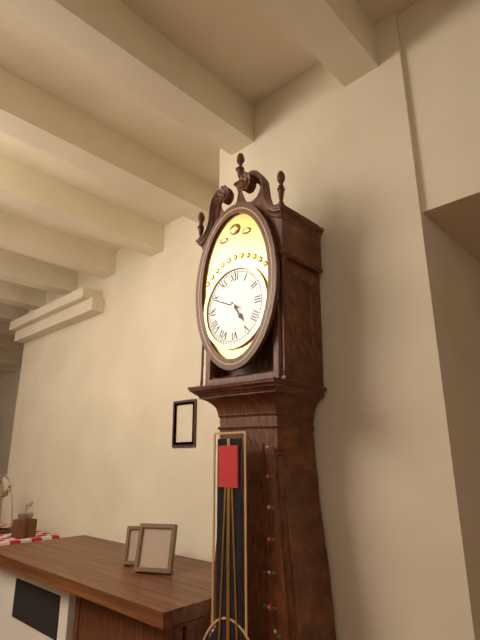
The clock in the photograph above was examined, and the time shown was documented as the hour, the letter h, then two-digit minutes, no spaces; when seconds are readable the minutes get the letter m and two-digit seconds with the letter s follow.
4h49
